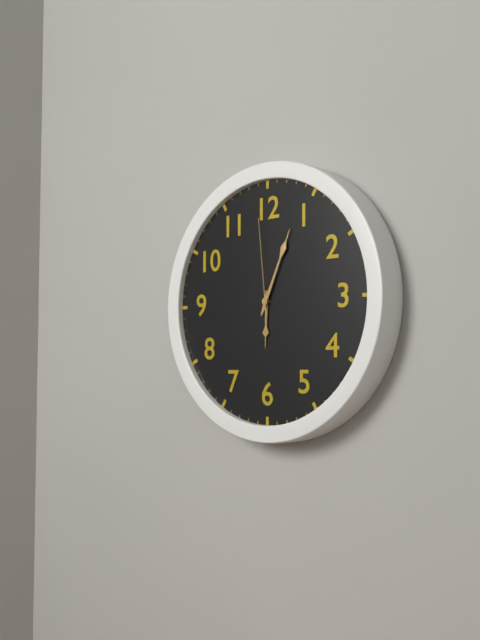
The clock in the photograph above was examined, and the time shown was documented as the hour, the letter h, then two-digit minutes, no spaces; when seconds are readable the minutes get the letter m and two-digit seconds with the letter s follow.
6h04m59s
